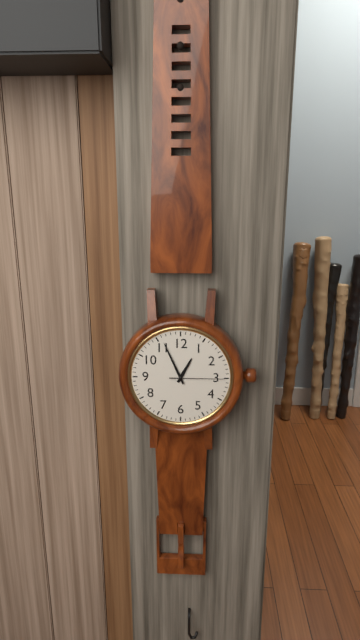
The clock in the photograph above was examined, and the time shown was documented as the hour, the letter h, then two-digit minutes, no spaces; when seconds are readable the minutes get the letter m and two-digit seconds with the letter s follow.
12h56m15s
